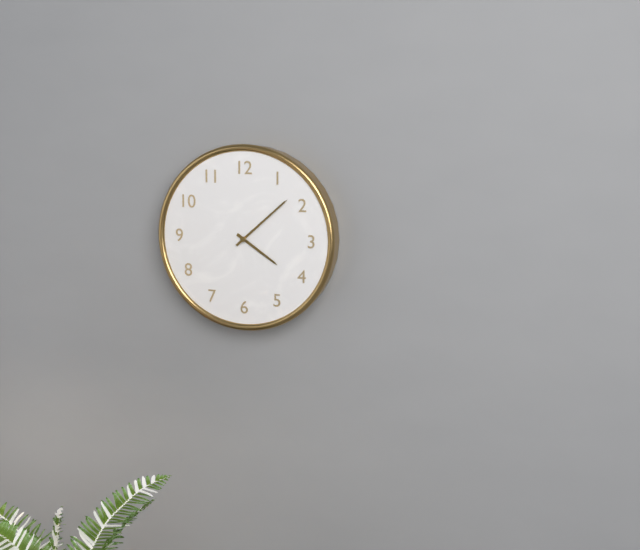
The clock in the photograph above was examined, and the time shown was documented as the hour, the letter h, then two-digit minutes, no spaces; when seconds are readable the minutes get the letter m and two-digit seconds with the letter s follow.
4h08
